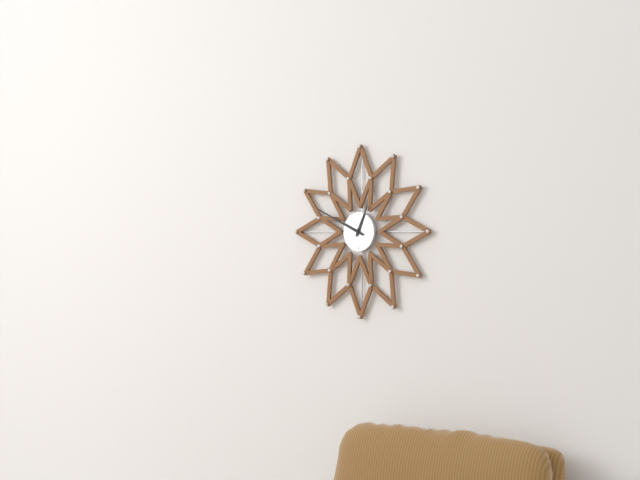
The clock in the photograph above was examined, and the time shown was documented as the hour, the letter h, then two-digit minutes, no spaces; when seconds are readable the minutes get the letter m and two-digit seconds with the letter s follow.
12h49
